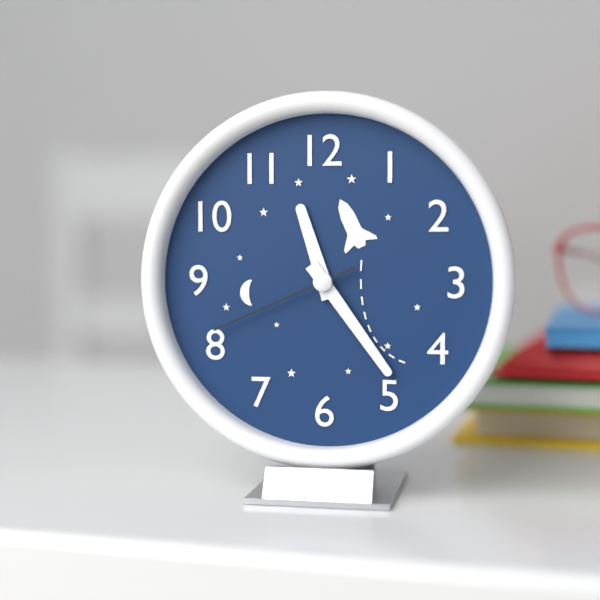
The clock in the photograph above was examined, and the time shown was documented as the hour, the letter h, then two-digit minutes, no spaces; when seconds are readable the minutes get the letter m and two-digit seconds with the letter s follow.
11h24m41s
